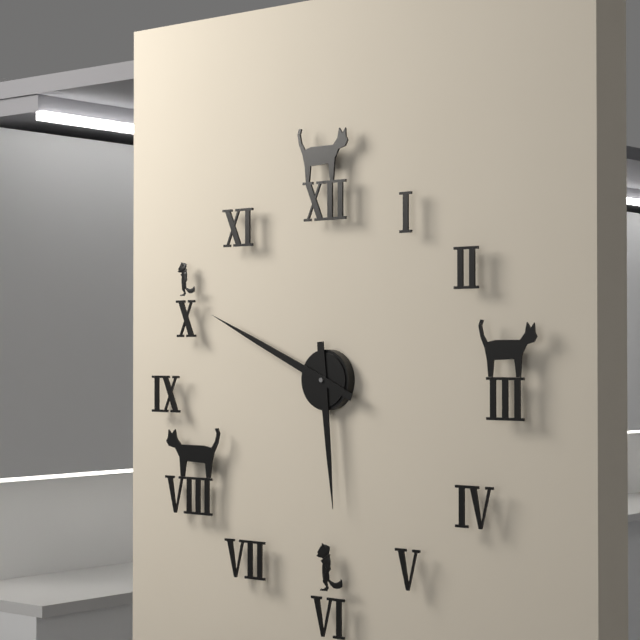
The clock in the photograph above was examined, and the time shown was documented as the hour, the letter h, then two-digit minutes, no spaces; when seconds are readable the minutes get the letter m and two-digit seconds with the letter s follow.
5h49
